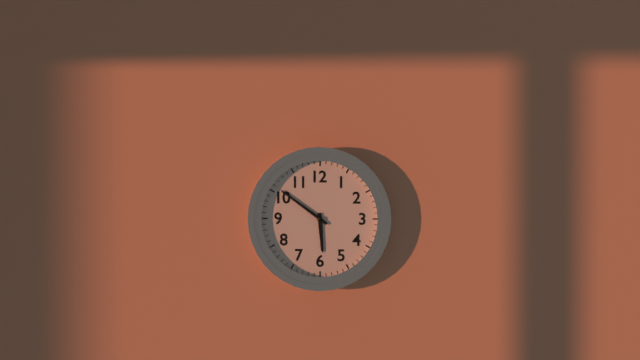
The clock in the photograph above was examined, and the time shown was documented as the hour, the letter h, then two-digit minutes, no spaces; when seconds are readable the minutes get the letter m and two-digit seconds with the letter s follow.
5h51
